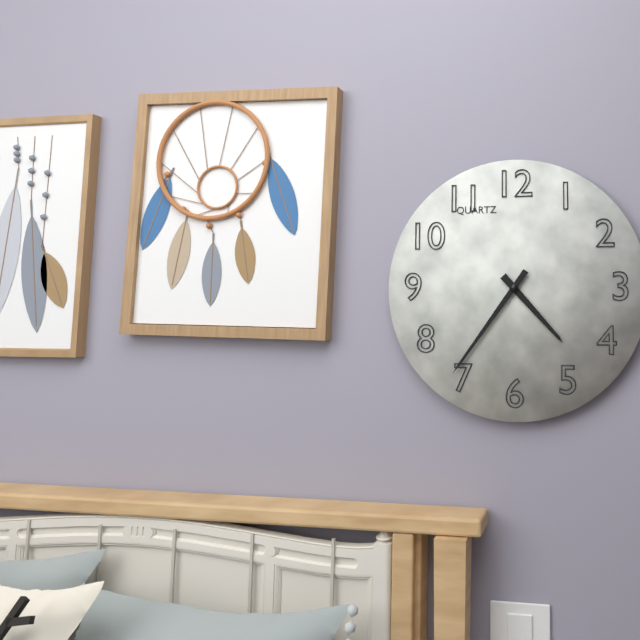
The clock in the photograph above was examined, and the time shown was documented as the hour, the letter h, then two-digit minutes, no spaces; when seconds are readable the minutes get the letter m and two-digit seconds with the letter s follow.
4h36
